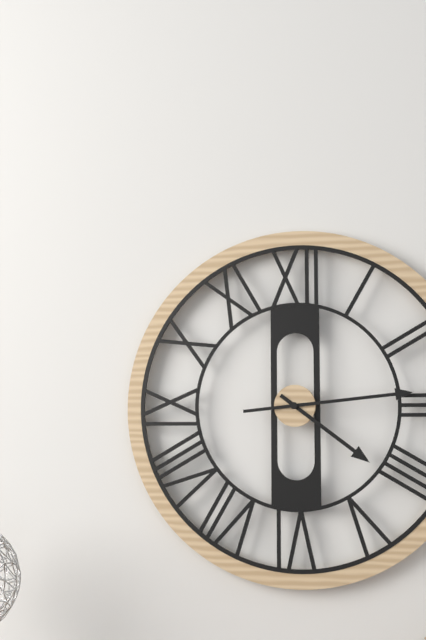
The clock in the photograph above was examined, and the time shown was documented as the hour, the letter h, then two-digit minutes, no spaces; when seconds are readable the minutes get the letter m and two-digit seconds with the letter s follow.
4h14
